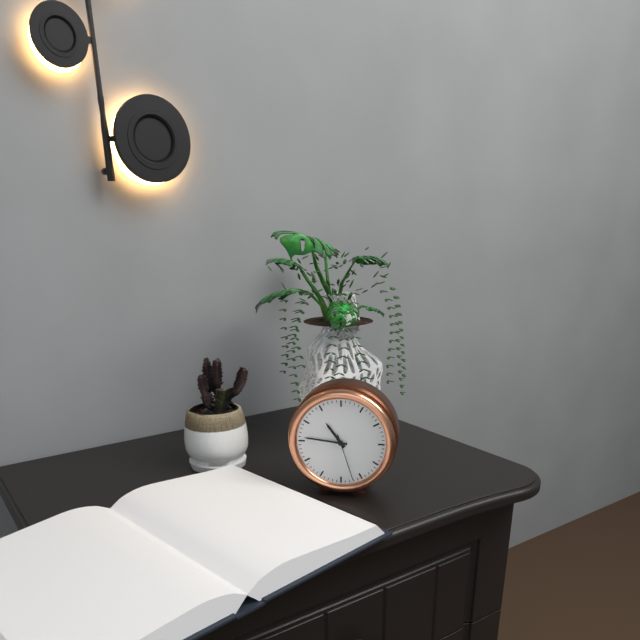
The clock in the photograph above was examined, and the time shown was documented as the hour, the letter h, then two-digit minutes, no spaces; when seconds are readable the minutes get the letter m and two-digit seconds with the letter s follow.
10h46m27s
